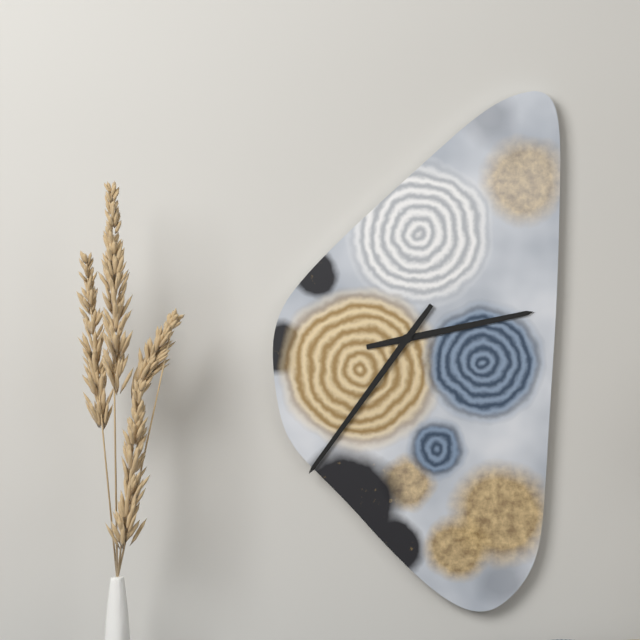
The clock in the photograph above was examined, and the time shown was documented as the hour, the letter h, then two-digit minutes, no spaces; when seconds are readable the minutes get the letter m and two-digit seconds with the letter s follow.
2h36
